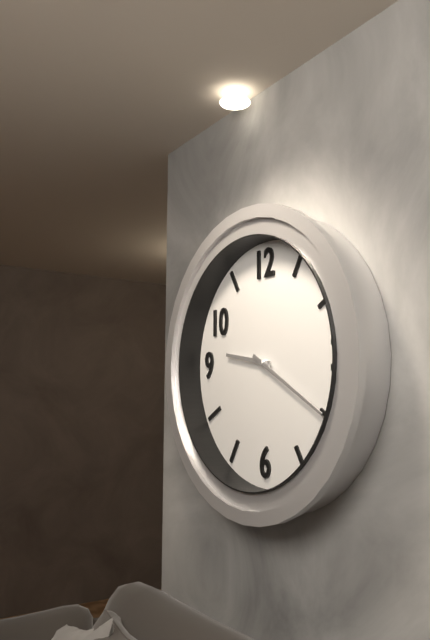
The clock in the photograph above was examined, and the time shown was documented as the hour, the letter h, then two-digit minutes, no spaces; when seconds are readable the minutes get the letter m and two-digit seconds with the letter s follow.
9h20
